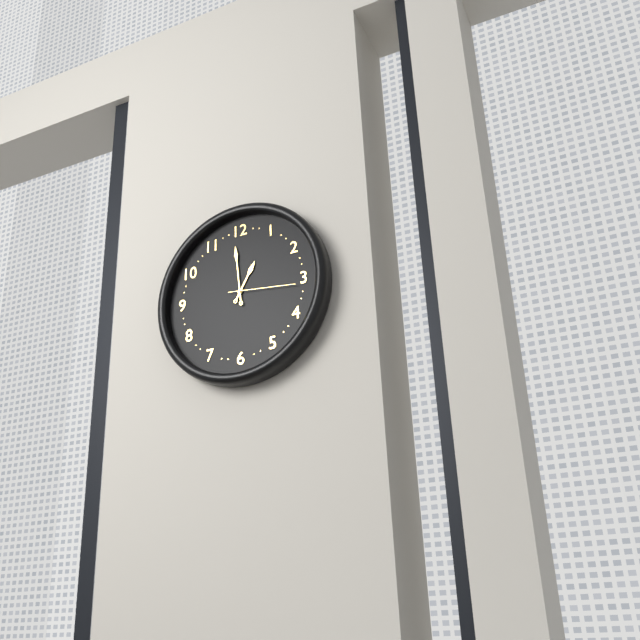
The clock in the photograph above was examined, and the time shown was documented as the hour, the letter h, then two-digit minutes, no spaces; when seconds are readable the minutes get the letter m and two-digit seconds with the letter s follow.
12h59m16s
